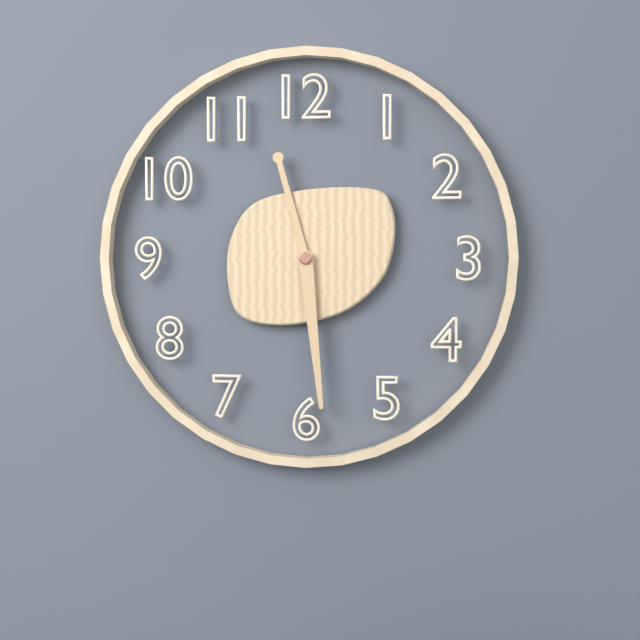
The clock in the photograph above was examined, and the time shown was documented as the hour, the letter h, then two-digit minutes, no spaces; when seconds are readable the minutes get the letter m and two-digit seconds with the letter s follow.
11h29
